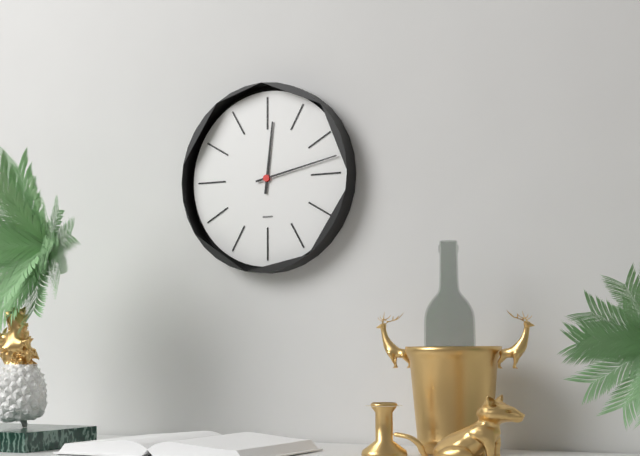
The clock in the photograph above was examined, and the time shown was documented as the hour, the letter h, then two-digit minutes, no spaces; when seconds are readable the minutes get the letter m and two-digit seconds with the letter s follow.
12h13
